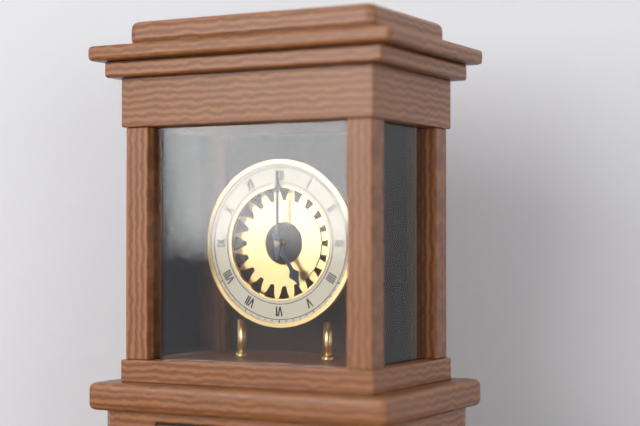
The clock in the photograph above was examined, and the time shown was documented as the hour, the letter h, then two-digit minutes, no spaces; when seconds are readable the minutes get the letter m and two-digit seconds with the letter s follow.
5h00
